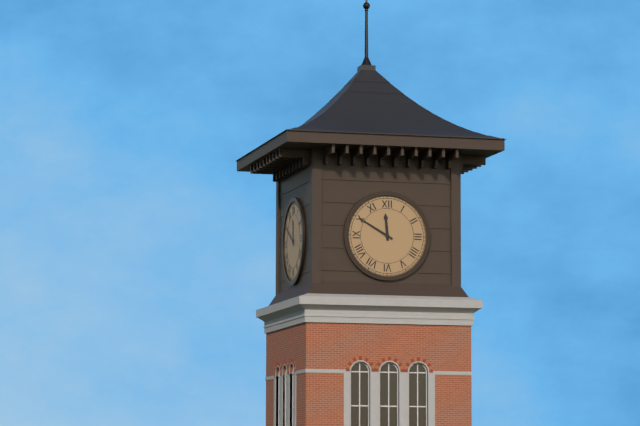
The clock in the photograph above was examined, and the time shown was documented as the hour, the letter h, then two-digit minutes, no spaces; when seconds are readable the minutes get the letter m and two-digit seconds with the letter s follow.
11h50
